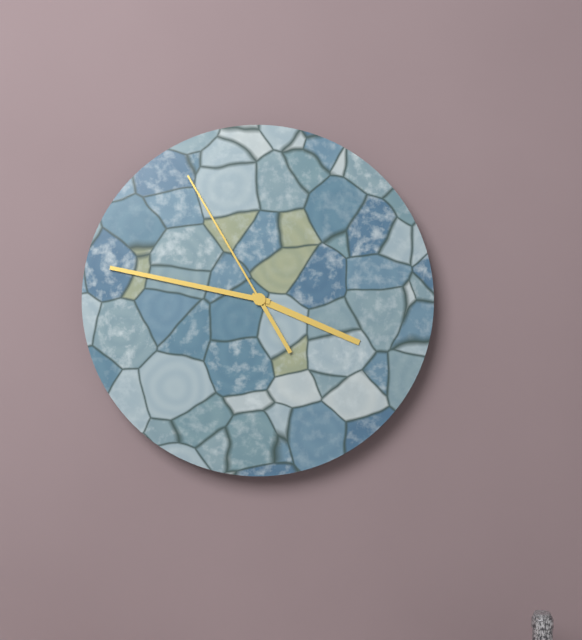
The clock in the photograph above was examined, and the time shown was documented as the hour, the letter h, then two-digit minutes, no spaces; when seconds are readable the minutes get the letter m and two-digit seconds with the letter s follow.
3h47m55s
